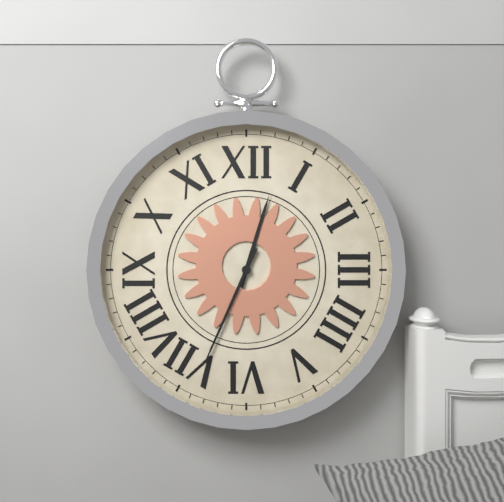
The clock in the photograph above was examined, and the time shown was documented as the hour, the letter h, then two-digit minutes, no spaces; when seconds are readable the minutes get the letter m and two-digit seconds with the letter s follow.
12h34
